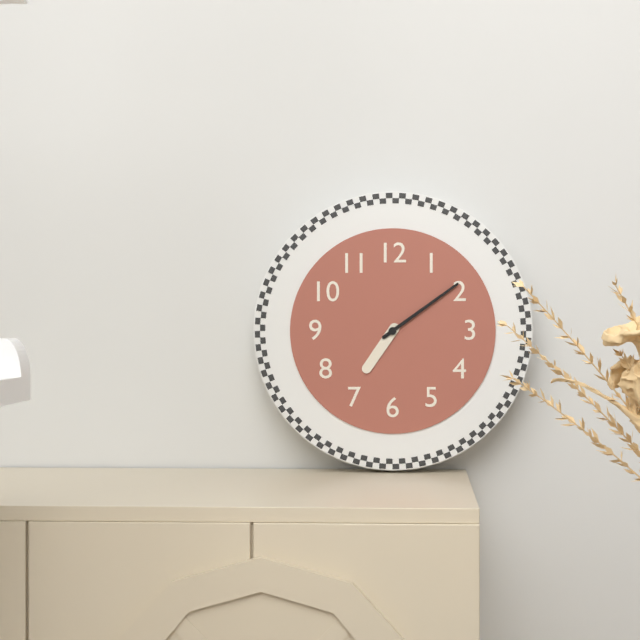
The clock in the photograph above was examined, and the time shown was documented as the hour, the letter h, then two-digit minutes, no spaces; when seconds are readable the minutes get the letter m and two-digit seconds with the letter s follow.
7h09
